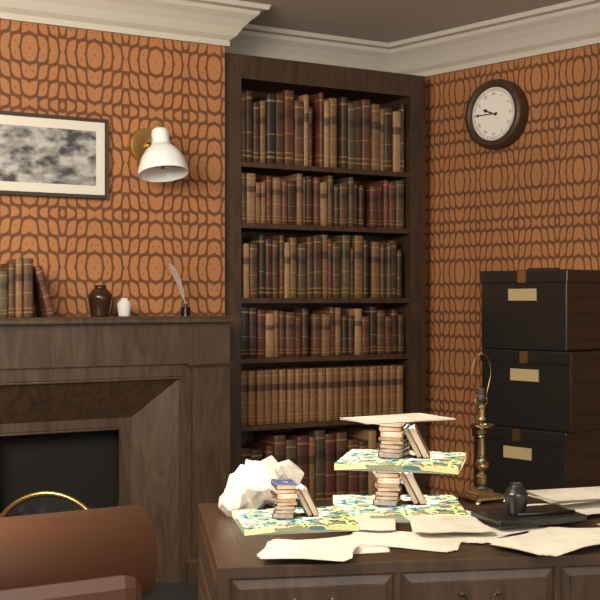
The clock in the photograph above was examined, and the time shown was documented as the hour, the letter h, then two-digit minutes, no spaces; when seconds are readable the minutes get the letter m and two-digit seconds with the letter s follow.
9h45
